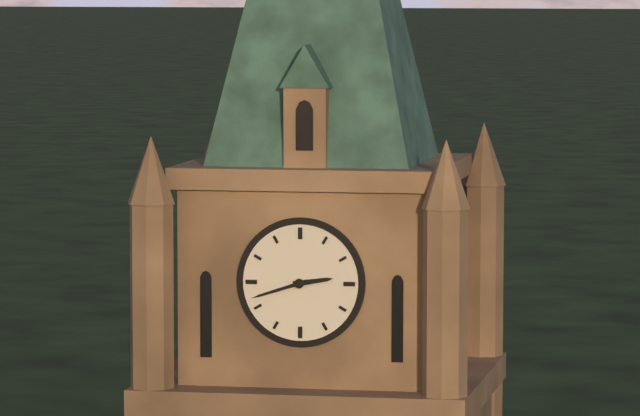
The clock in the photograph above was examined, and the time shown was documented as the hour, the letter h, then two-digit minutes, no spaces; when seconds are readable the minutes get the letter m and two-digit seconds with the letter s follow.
2h42
